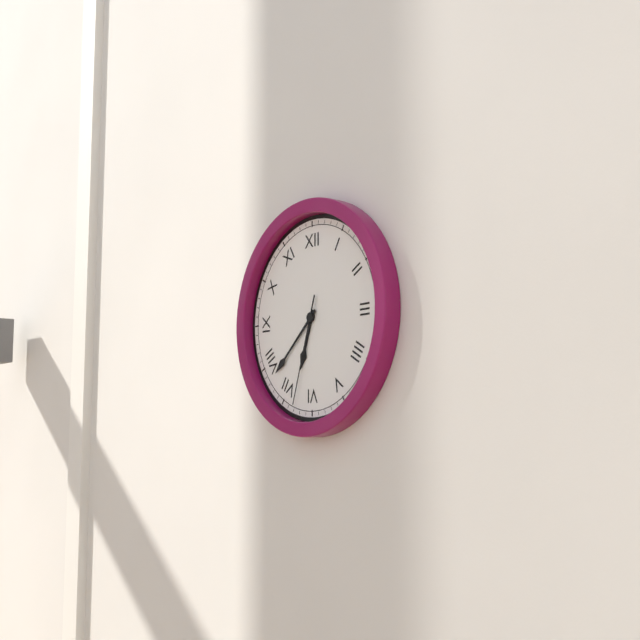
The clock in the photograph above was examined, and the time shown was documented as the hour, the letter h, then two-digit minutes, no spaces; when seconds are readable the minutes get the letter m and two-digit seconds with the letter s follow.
6h38m33s
